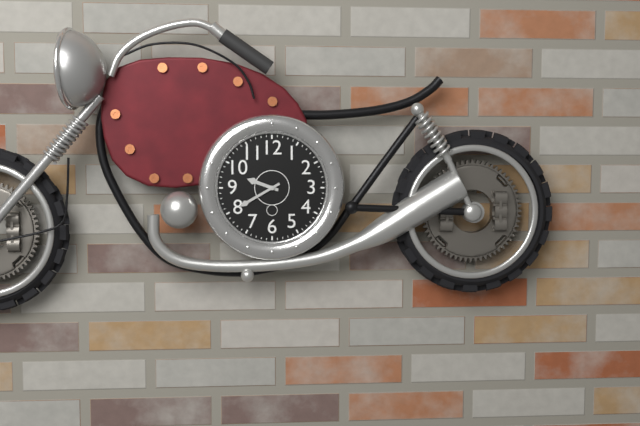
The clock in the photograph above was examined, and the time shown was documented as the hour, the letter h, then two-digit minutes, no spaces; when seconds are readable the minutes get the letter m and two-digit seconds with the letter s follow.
9h40
